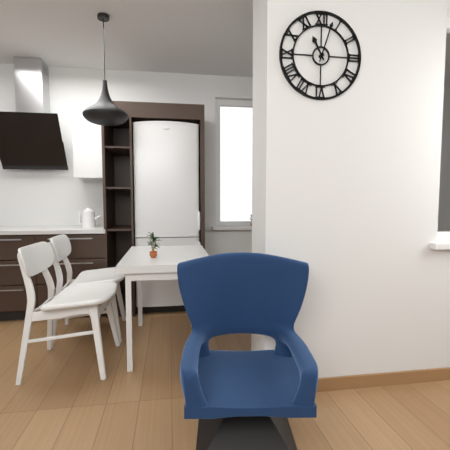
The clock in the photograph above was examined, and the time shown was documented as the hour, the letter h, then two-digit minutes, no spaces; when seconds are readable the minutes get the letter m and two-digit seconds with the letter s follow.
11h03
